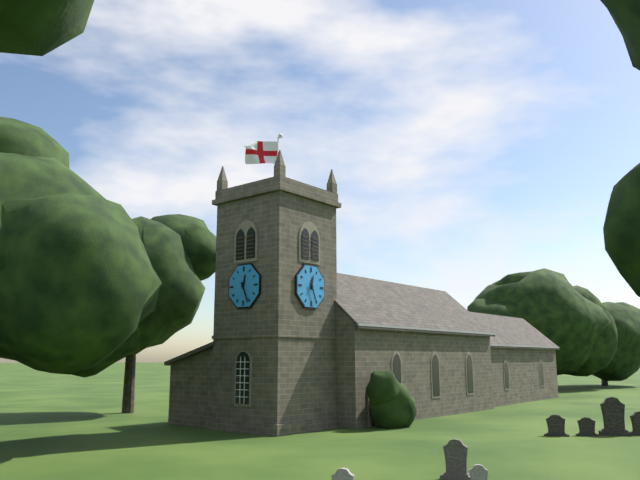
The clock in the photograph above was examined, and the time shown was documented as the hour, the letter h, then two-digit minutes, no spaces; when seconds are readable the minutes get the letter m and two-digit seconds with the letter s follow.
12h26
